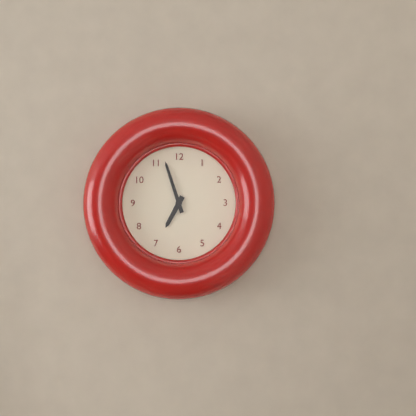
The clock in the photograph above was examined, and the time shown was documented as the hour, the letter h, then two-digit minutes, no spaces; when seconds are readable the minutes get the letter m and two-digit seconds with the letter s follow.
6h57
